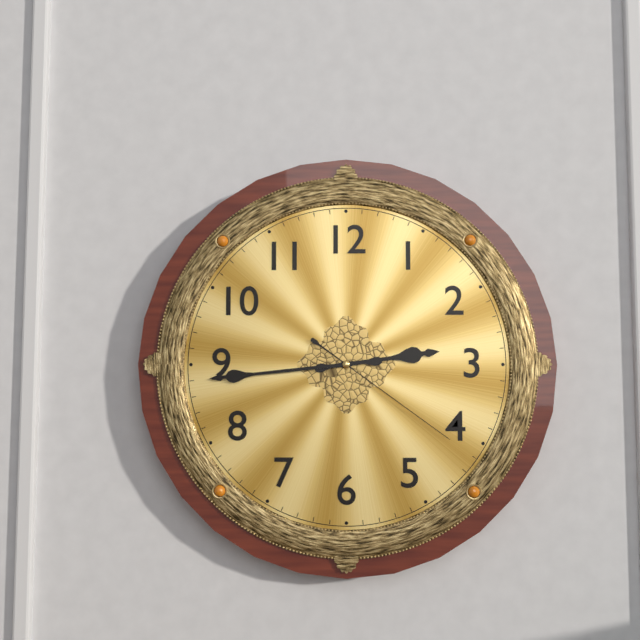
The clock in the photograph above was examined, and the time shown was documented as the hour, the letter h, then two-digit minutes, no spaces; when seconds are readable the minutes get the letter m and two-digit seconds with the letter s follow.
2h44m21s
